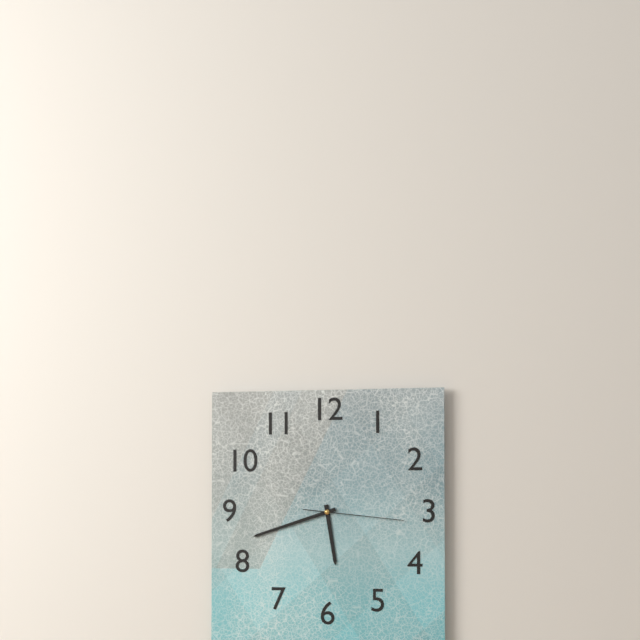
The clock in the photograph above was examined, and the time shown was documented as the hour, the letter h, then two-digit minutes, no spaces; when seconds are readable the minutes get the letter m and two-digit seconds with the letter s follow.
5h42m16s
